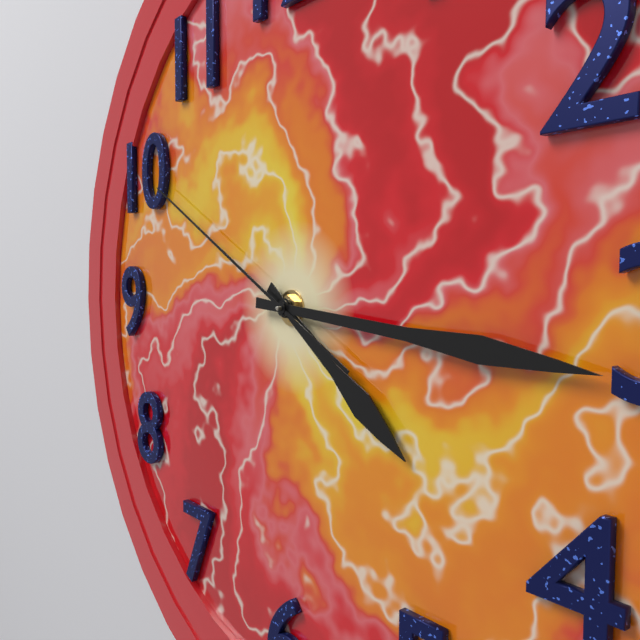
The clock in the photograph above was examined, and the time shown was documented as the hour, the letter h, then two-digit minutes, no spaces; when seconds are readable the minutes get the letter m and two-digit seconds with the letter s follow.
4h16m50s
